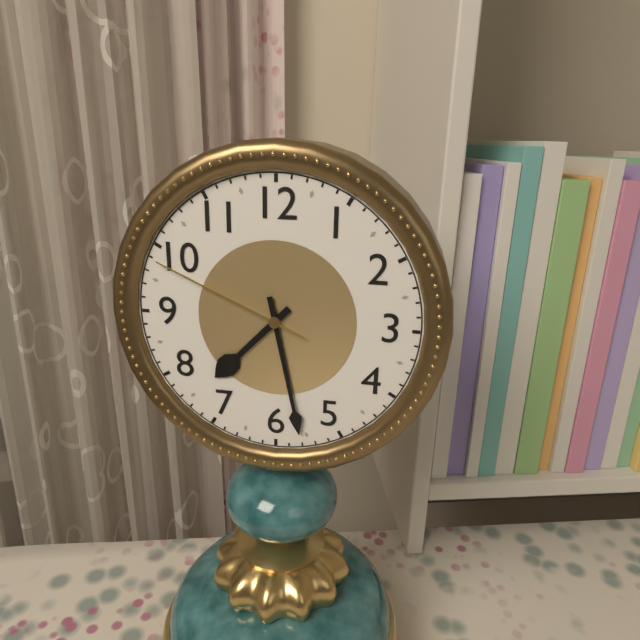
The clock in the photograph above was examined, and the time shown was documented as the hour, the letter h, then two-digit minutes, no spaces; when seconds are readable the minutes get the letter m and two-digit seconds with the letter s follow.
7h28m49s
